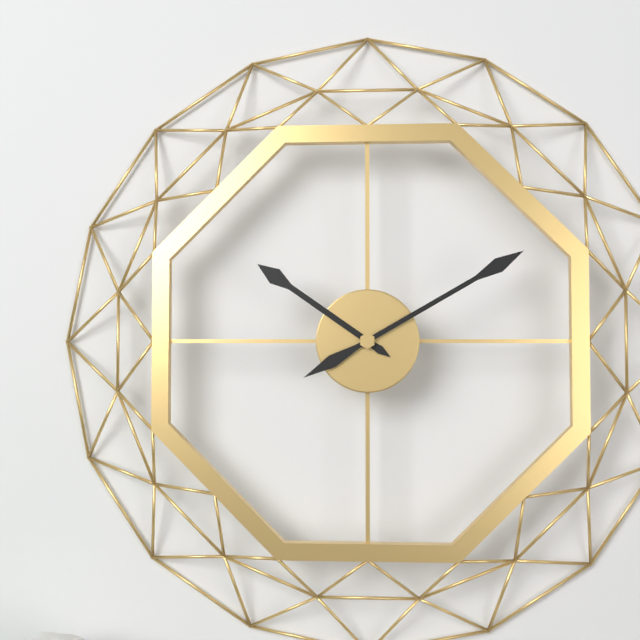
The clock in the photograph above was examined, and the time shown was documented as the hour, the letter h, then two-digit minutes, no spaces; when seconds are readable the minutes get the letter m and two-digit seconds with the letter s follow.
10h10
